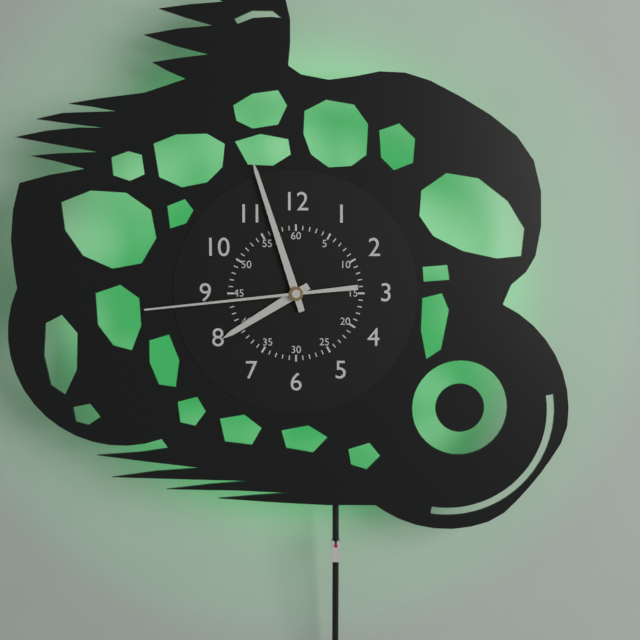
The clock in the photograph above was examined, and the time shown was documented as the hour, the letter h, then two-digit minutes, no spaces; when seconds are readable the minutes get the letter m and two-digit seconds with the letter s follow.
7h57m44s
